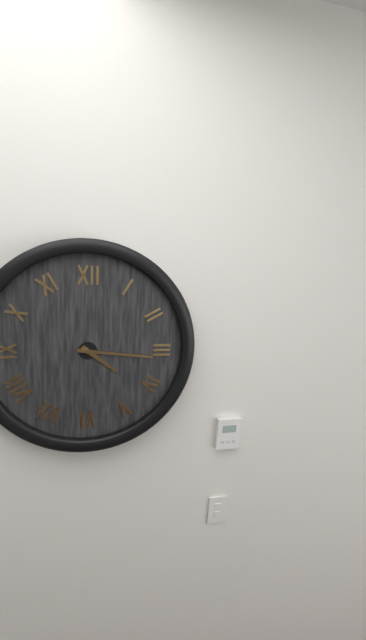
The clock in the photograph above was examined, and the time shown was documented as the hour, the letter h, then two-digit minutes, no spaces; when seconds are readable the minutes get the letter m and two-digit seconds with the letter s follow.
4h16
